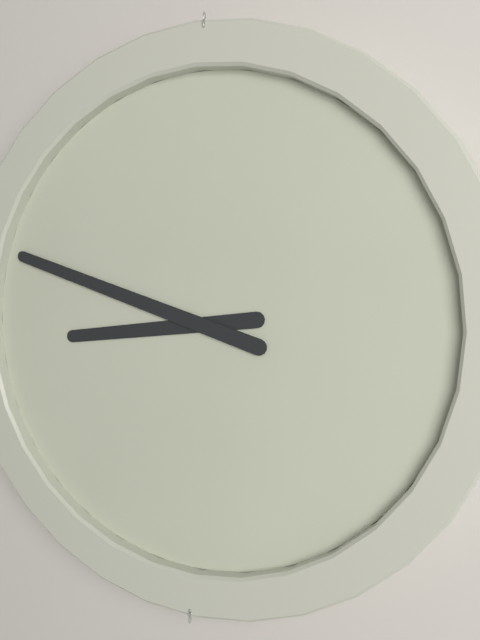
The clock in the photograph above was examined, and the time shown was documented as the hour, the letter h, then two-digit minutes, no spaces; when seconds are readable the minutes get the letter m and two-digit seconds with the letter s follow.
8h48
